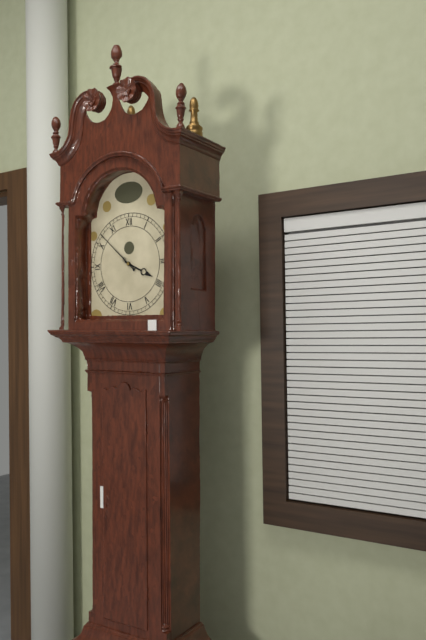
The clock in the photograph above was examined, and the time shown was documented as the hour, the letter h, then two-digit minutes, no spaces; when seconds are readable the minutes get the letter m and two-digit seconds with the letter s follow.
3h52
